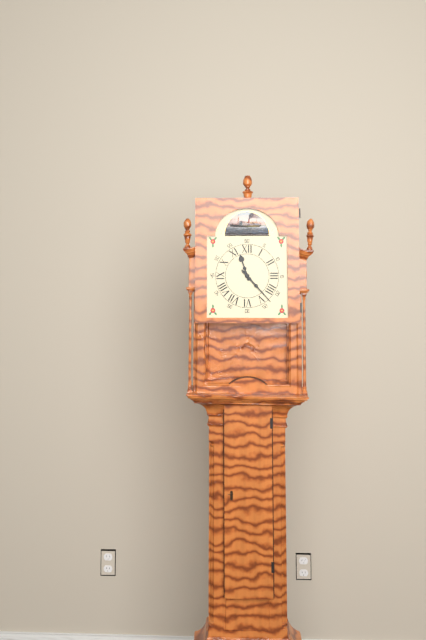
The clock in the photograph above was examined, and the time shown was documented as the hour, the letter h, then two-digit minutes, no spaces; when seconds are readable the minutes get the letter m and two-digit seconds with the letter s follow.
11h23
